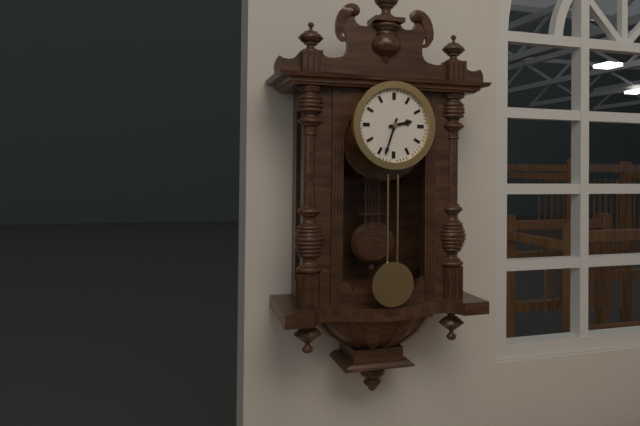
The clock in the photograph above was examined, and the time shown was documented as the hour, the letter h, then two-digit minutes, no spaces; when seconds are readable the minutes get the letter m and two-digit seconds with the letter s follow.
2h33
